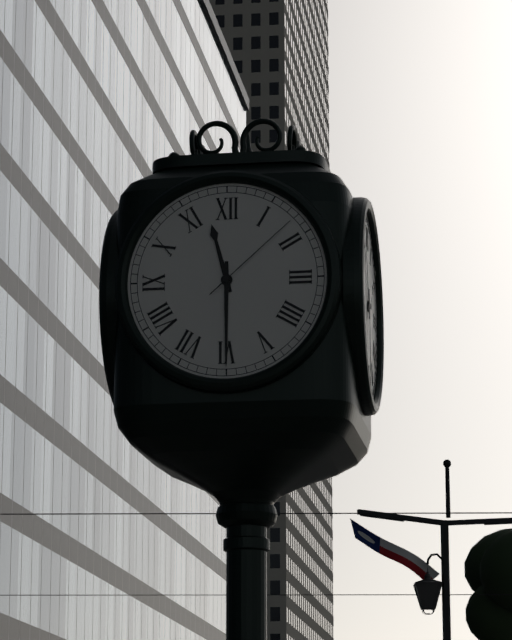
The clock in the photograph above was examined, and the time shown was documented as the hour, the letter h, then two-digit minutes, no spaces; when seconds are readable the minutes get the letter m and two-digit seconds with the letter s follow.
11h30m08s
